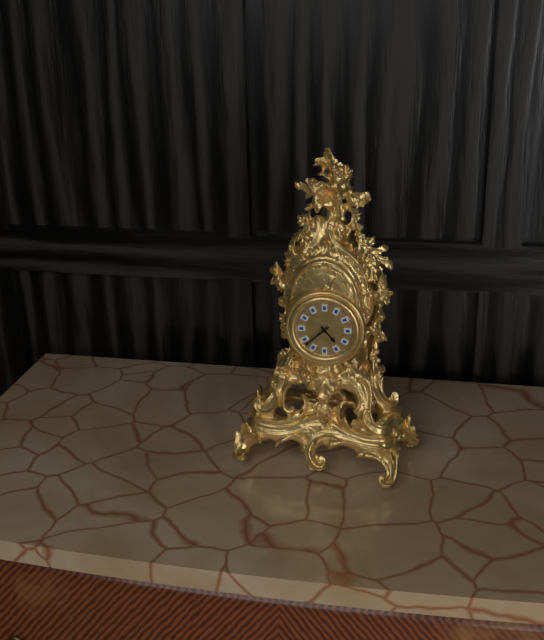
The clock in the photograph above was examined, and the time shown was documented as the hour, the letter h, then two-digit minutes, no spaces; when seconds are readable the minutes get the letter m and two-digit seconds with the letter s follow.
4h38
